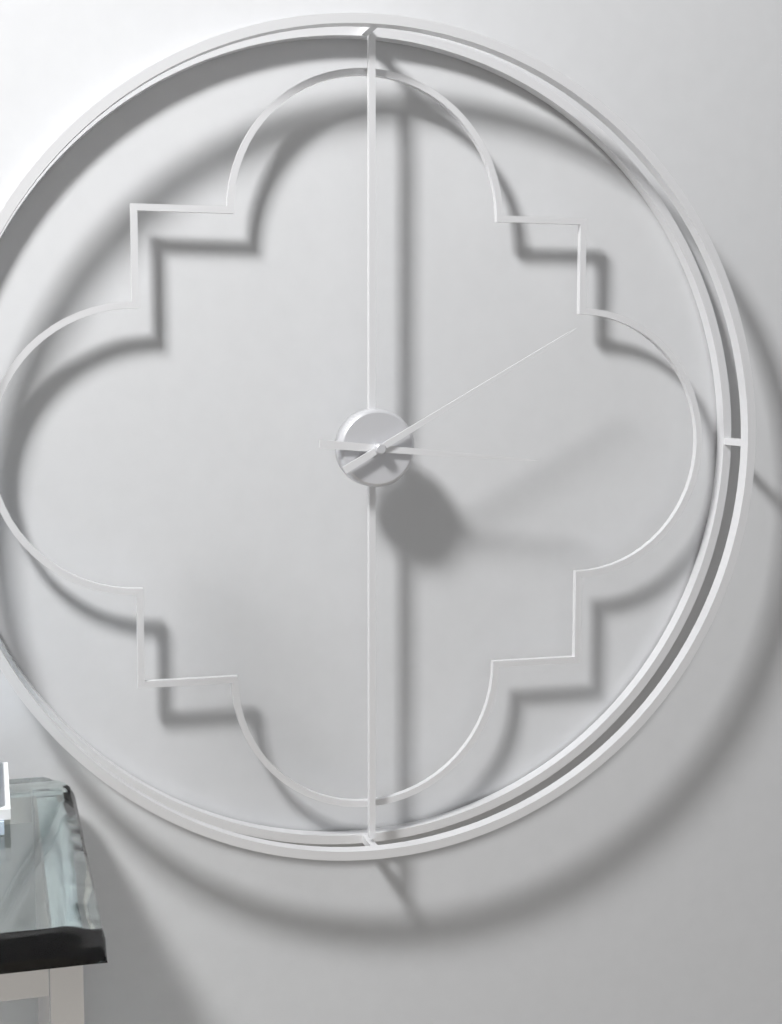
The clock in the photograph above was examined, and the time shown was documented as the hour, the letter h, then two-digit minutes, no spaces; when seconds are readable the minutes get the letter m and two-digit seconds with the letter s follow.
3h10
